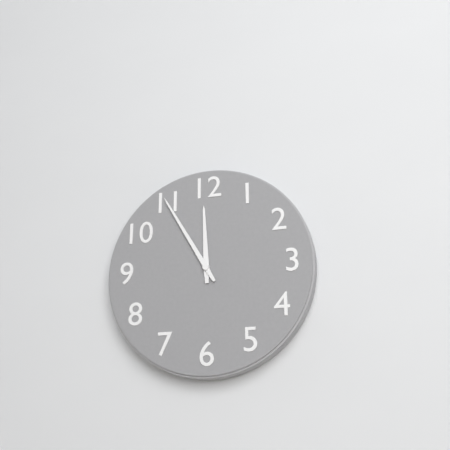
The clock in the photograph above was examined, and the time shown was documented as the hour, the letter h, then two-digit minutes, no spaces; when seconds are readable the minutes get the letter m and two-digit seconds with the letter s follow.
11h55
